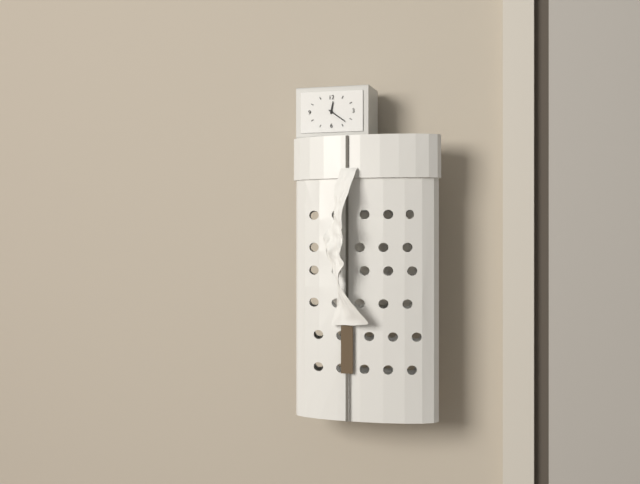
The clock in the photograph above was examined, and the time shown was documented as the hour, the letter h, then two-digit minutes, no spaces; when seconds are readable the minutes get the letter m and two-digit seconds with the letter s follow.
12h21
